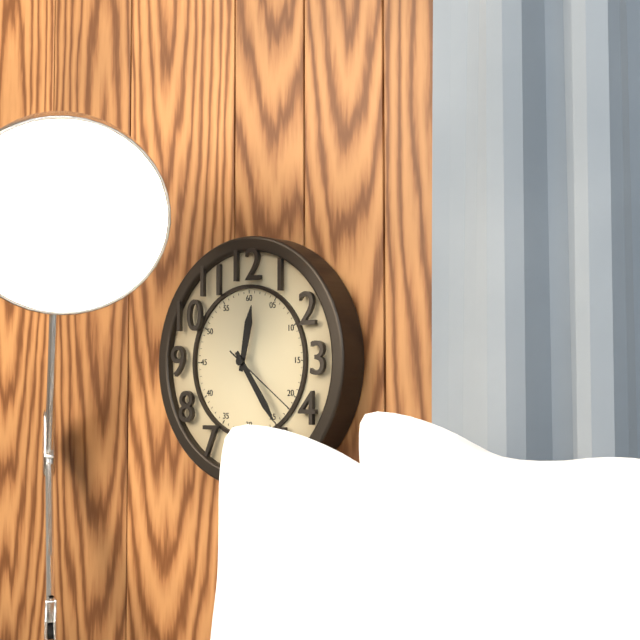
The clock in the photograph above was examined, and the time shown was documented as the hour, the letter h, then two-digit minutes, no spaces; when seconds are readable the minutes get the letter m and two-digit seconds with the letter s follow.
12h24m21s
